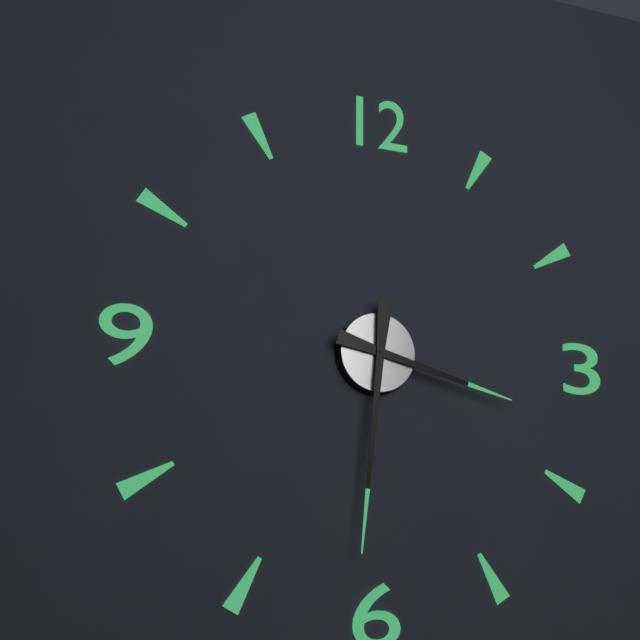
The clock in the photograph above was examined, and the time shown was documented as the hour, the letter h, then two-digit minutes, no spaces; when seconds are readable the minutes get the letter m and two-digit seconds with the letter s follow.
3h31
